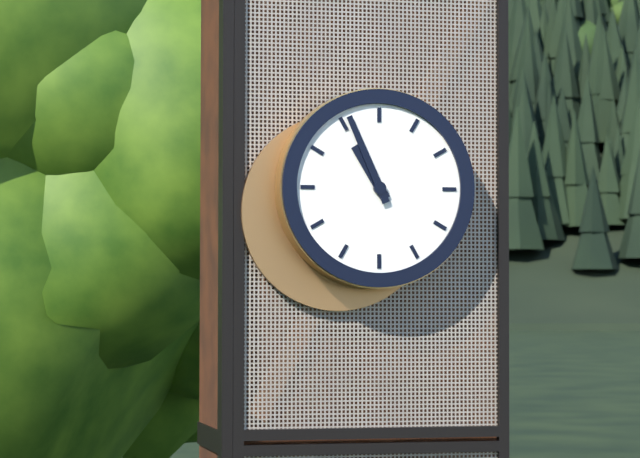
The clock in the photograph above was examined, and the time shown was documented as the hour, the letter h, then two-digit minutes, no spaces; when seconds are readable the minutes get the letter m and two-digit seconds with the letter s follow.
10h56
